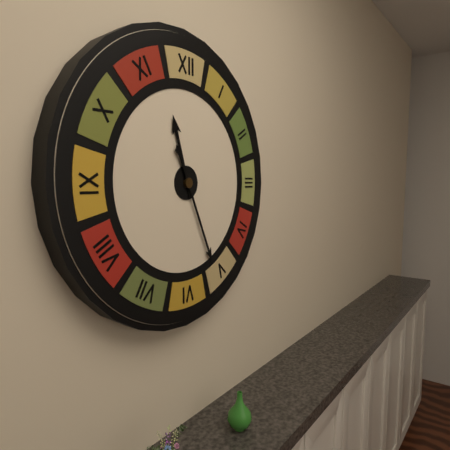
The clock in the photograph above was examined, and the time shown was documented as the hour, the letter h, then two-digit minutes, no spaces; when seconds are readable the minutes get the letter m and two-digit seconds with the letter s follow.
11h26
